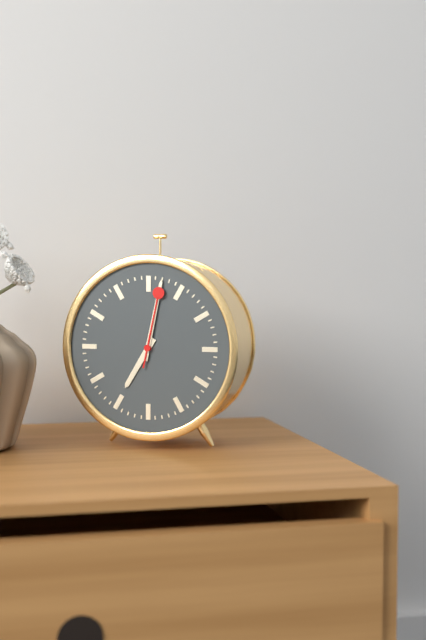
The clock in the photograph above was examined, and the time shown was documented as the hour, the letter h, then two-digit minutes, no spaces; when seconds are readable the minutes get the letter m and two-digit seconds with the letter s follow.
7h02m02s
